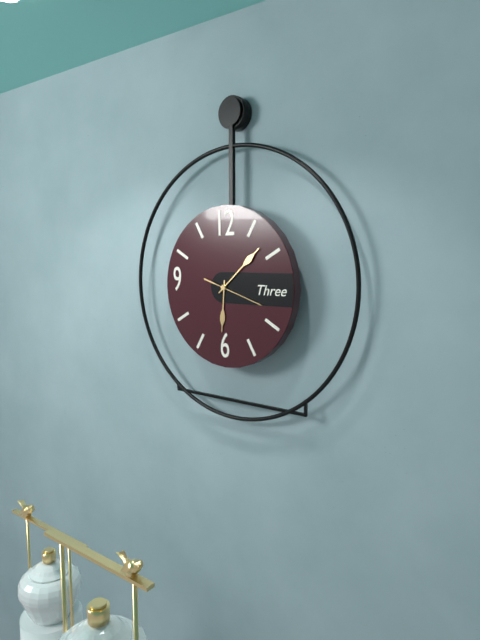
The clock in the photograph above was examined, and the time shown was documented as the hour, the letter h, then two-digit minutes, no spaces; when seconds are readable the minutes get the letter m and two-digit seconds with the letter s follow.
6h08
